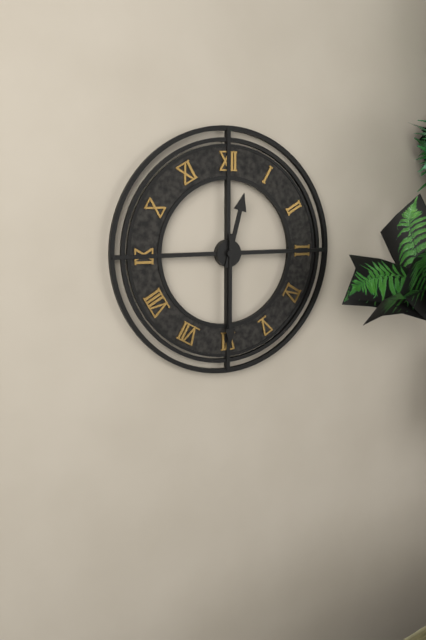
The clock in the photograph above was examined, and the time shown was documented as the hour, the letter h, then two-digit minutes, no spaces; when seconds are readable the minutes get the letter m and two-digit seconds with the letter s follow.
12h30
